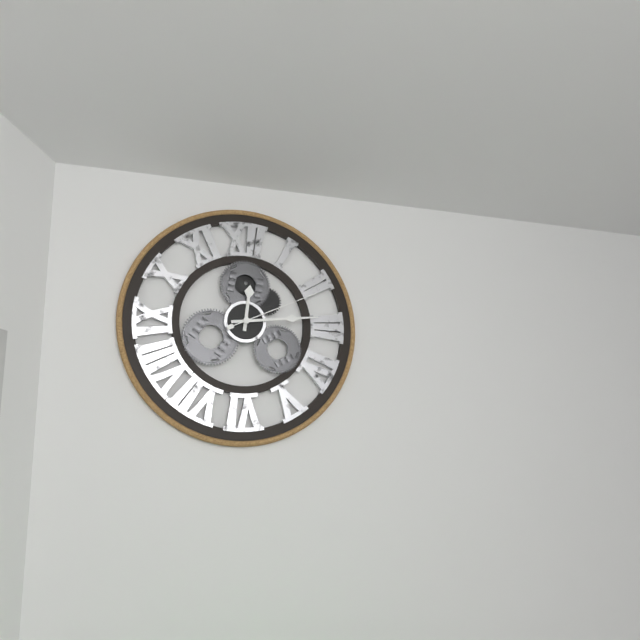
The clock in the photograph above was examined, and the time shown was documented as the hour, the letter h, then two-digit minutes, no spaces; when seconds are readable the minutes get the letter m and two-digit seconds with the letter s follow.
12h14m11s
